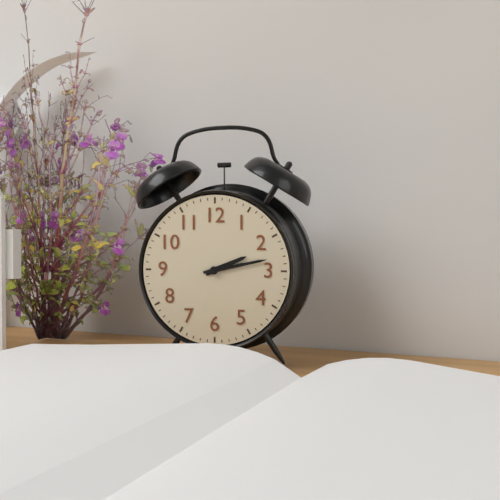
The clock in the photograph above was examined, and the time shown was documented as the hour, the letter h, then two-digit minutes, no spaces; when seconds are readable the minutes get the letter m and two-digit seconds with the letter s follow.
2h13
